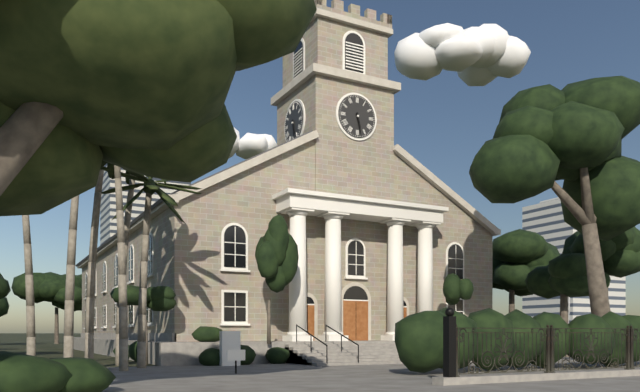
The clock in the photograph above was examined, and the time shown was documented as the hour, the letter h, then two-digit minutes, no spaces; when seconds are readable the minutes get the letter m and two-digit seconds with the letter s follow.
5h28
